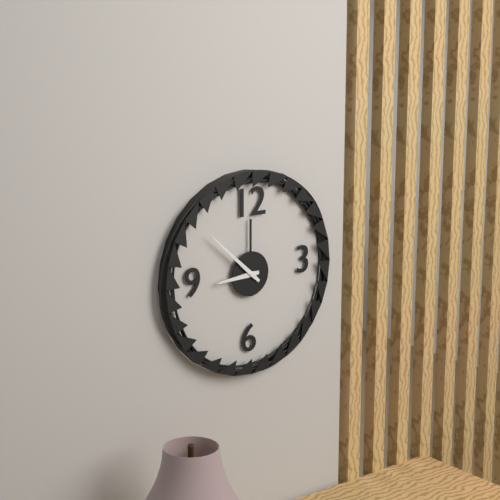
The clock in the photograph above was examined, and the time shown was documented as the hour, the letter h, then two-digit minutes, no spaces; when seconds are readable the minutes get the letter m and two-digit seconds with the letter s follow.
8h52
